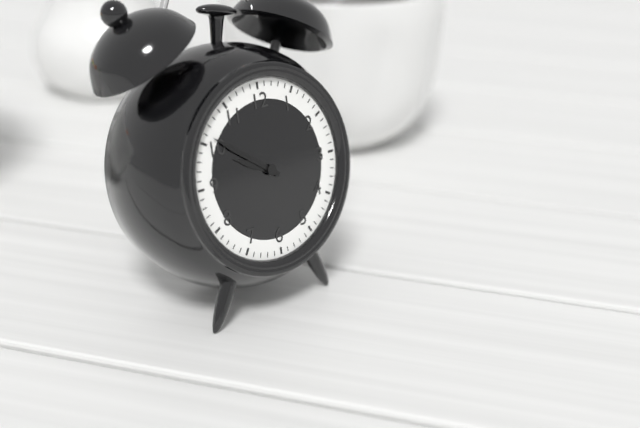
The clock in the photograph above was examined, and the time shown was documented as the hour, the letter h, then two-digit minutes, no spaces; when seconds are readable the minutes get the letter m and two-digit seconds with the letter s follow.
9h51
